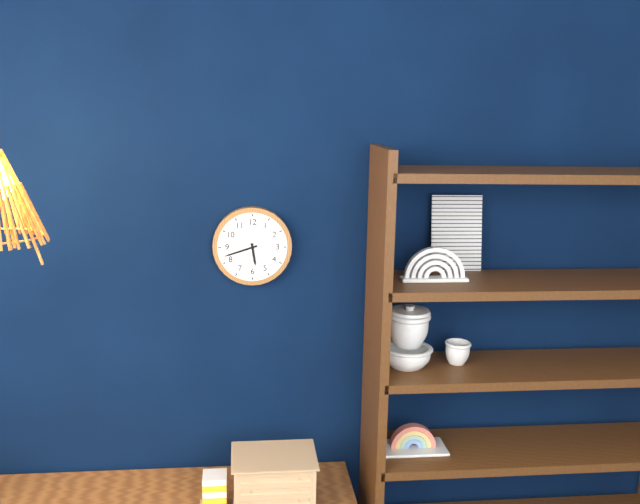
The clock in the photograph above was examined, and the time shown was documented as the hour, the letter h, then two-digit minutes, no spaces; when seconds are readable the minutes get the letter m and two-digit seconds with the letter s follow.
5h42
